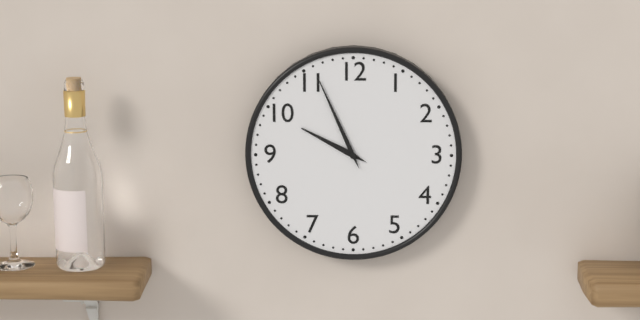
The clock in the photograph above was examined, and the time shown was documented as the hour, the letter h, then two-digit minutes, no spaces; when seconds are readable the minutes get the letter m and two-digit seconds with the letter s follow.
9h56
